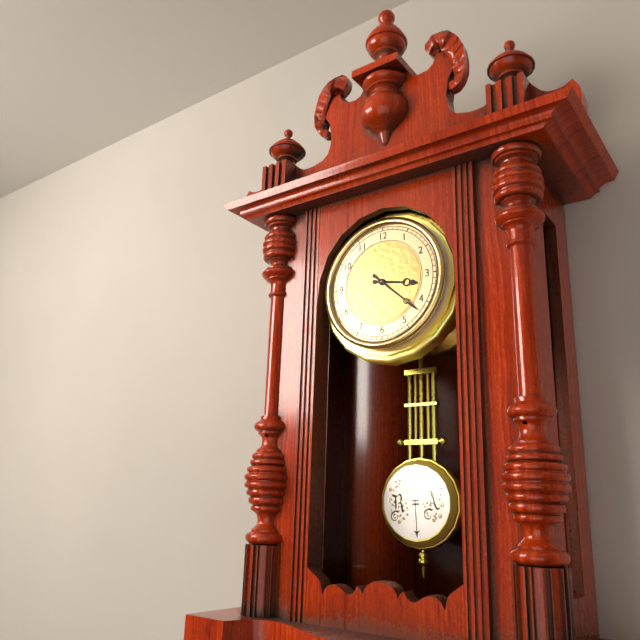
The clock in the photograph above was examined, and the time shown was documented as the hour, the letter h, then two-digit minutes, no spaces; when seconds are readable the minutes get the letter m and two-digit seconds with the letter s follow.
3h22
